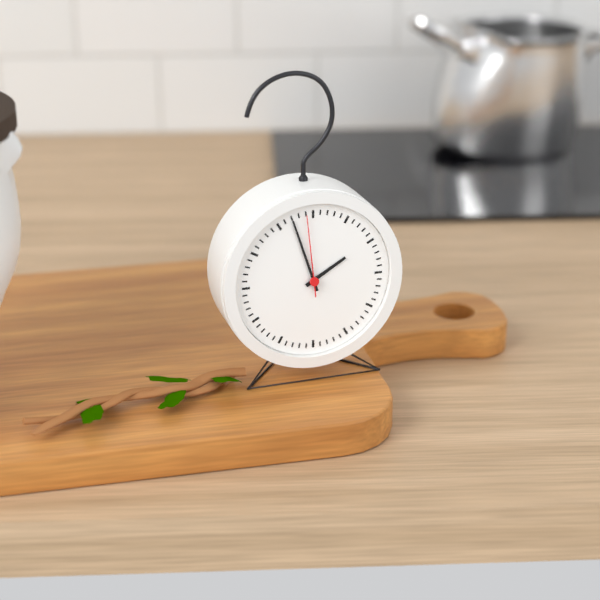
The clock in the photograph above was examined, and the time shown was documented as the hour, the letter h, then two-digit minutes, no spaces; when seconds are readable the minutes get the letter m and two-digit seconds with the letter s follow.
1h57m59s
